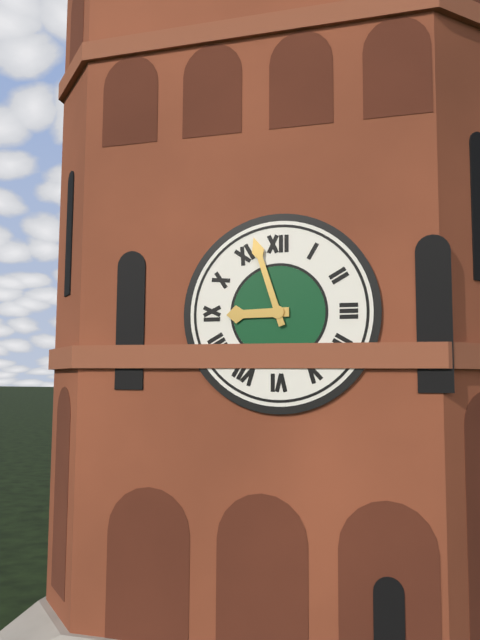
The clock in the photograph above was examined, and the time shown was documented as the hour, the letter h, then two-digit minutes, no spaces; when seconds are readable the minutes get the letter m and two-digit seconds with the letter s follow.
8h57
